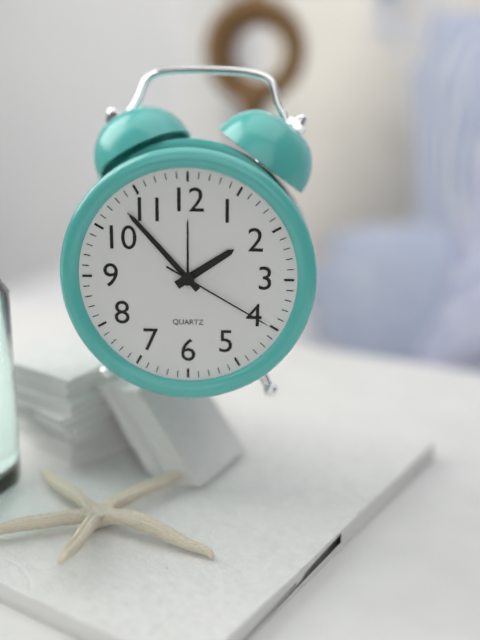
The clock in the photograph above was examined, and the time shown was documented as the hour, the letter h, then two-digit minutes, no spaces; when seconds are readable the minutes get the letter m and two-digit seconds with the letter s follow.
1h53m20s
